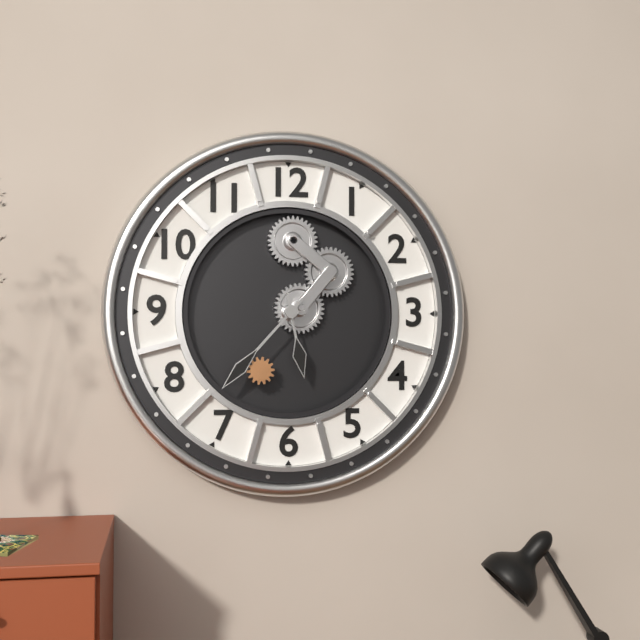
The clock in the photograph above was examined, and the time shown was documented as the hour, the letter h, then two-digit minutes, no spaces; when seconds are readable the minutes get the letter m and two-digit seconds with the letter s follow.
5h37
